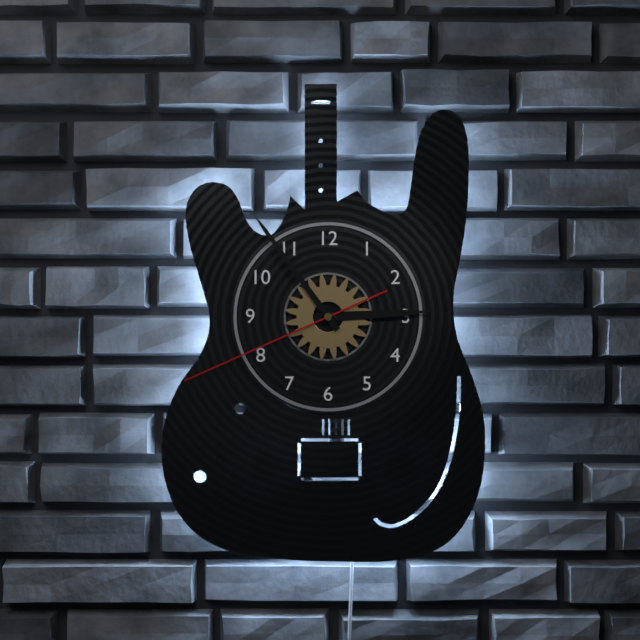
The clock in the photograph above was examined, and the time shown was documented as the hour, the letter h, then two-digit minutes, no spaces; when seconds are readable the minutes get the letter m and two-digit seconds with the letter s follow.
2h54m41s
